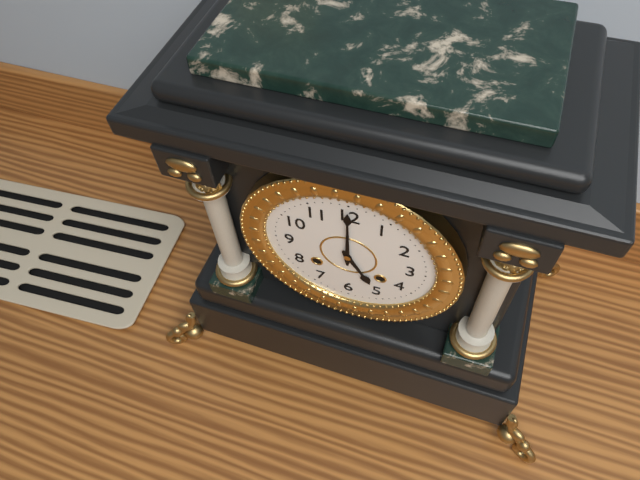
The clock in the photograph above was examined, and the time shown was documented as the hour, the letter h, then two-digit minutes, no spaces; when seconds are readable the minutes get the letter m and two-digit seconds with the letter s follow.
5h00
